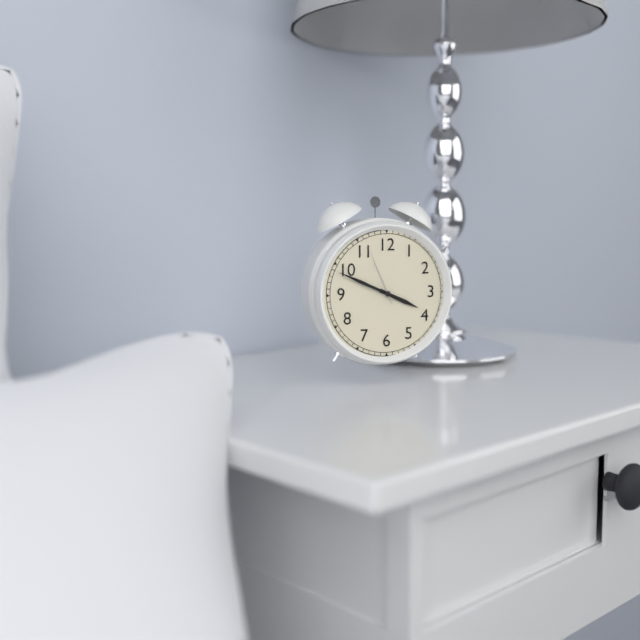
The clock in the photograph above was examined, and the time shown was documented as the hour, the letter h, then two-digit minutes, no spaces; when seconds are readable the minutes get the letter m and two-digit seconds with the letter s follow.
3h49m56s
